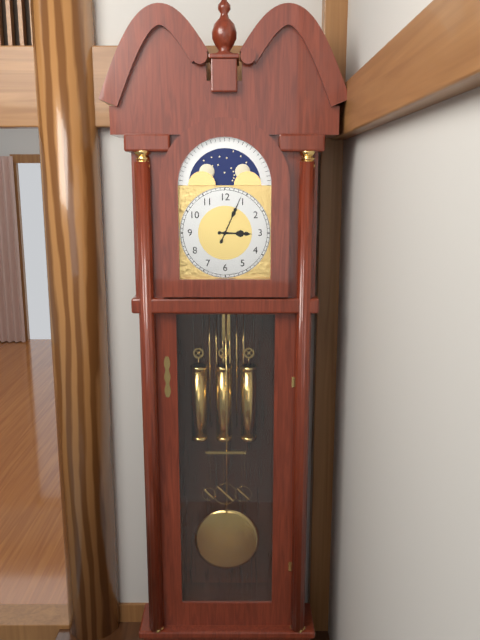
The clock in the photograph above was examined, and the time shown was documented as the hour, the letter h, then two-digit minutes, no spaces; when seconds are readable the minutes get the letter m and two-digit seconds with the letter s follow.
3h04
